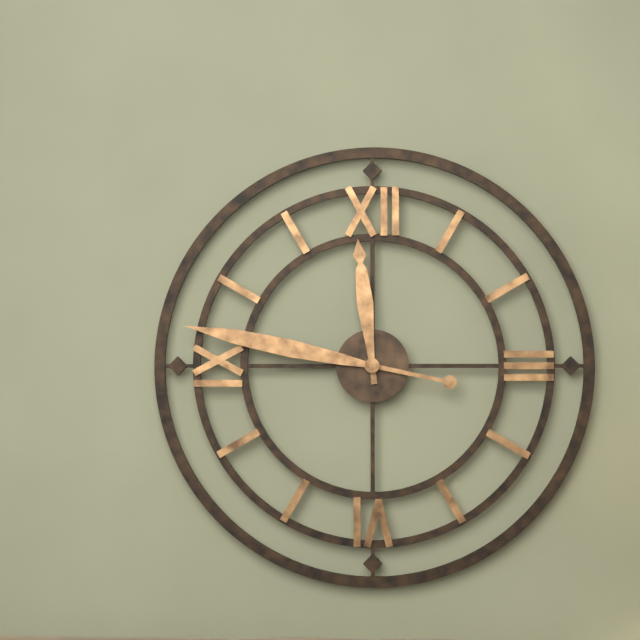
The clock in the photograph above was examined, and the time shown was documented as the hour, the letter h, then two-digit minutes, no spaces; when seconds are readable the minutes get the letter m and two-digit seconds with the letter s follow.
11h47
